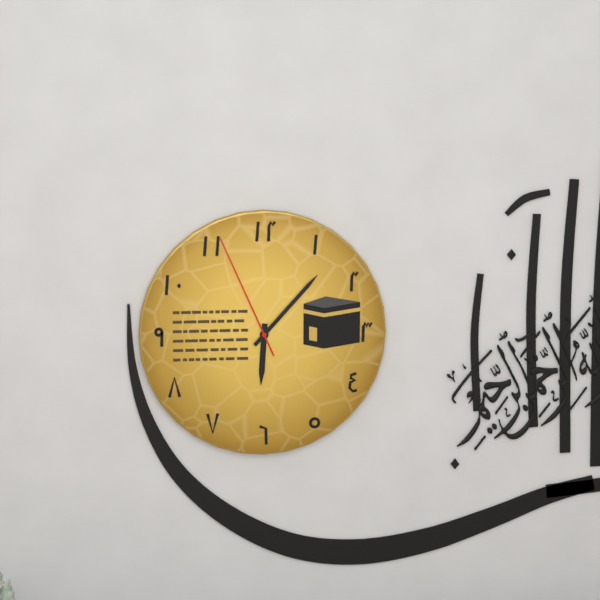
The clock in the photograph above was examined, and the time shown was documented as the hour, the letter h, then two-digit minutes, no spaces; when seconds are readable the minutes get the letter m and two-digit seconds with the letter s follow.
6h07m56s
